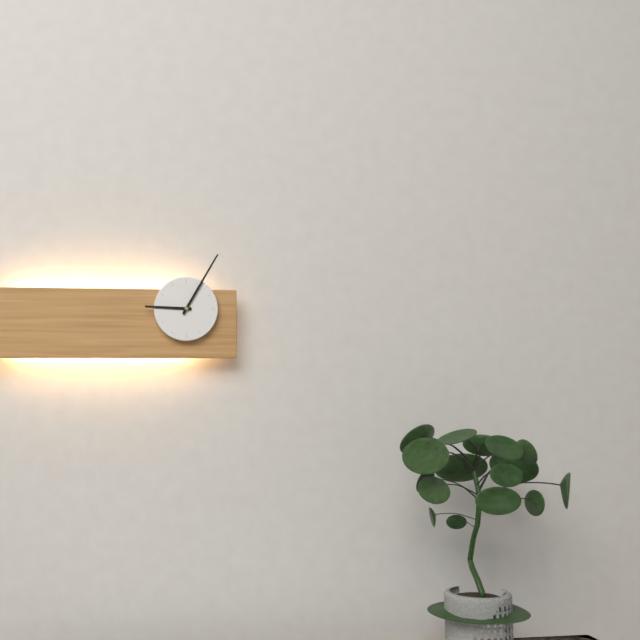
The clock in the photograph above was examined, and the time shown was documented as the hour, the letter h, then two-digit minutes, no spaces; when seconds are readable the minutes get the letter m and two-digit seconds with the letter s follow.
9h05
